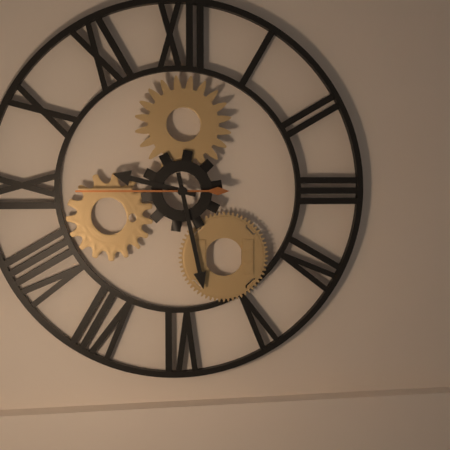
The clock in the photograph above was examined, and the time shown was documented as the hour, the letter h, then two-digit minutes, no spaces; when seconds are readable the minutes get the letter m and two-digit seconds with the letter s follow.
9h28m45s
